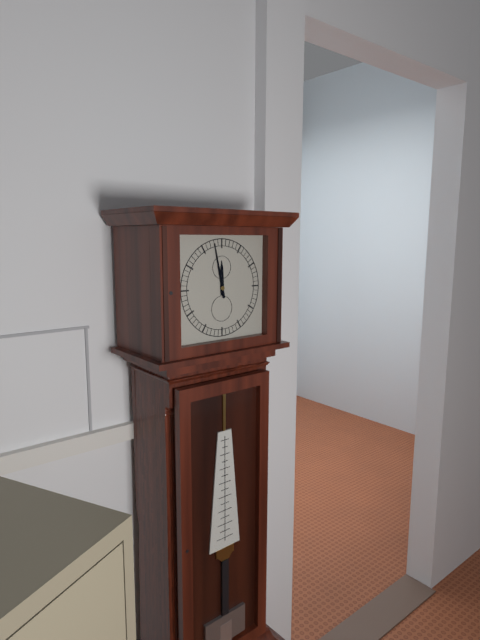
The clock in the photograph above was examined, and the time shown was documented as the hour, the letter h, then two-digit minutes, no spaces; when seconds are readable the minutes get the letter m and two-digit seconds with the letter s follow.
11h58
